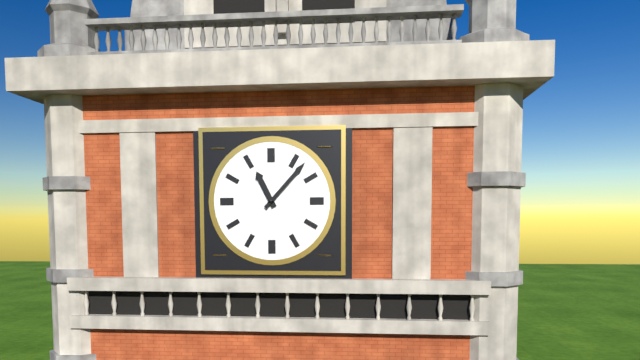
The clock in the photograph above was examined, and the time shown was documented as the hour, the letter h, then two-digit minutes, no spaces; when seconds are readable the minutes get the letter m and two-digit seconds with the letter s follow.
11h07
